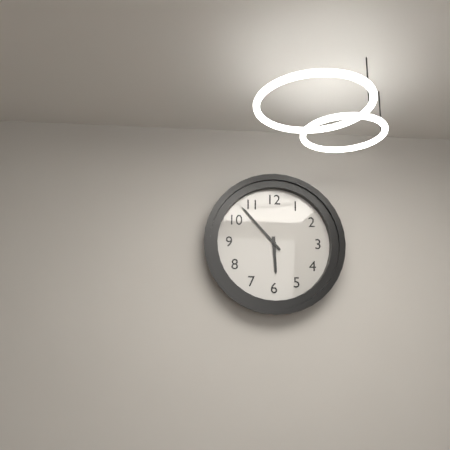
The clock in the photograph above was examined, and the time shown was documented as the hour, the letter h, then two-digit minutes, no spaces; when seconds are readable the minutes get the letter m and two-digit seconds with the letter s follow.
5h53
